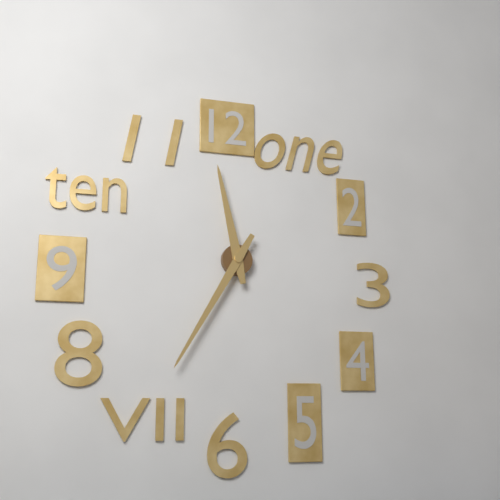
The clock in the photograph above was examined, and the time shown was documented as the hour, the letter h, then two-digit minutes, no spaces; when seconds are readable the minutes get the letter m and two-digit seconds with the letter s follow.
11h35
